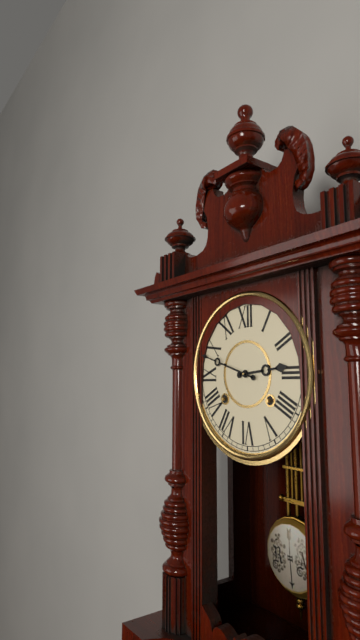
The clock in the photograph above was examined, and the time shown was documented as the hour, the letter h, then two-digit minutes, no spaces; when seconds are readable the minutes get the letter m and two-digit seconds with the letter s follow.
2h48
